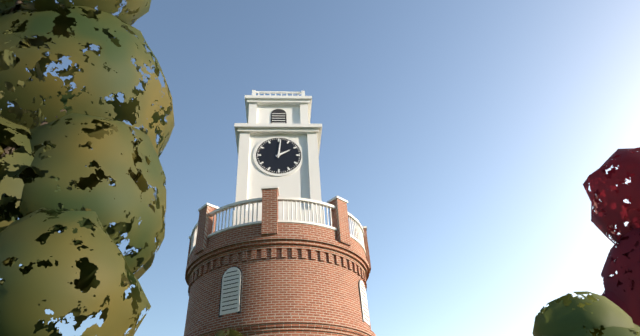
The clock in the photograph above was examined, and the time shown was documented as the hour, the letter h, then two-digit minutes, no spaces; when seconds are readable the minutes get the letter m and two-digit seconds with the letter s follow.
2h01
